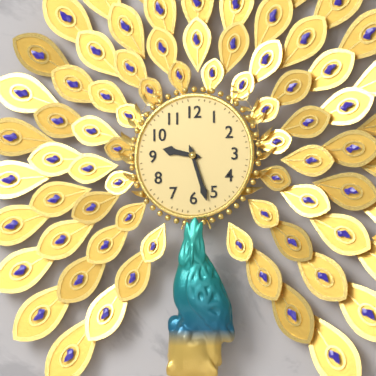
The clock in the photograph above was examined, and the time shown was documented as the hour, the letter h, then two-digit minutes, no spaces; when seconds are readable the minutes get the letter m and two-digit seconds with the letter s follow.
9h27
